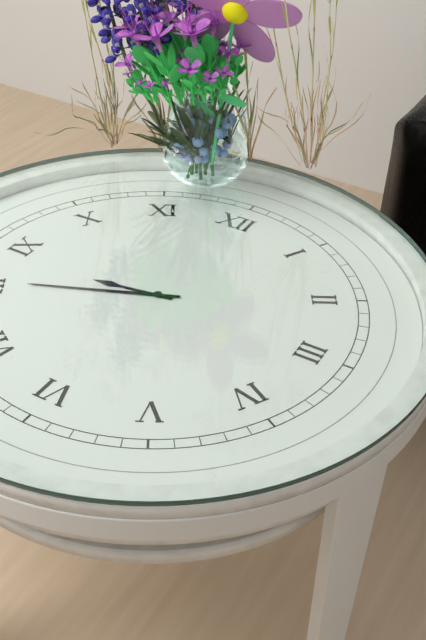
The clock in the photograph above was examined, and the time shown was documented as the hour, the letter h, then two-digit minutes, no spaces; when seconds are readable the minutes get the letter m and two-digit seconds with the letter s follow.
8h41
